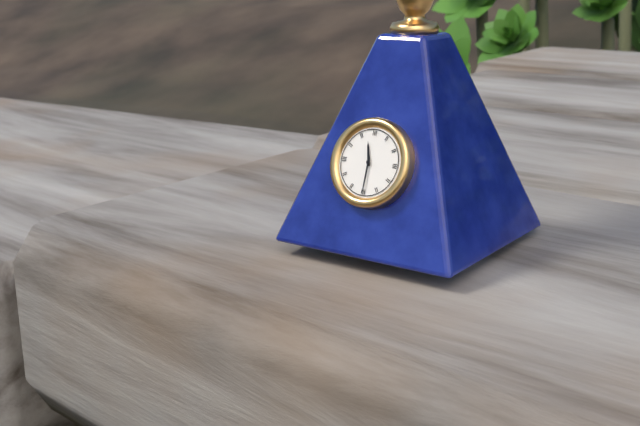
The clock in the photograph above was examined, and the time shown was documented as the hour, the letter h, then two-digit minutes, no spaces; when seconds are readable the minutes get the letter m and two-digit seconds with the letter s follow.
11h30
